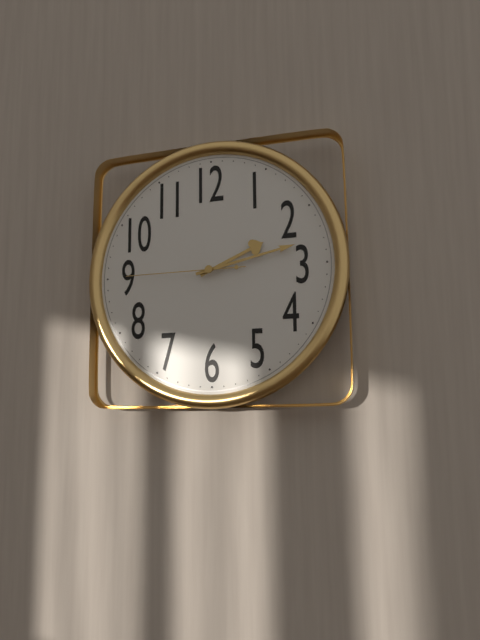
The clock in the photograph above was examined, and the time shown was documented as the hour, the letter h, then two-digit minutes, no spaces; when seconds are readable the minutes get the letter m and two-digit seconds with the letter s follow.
2h13m45s
